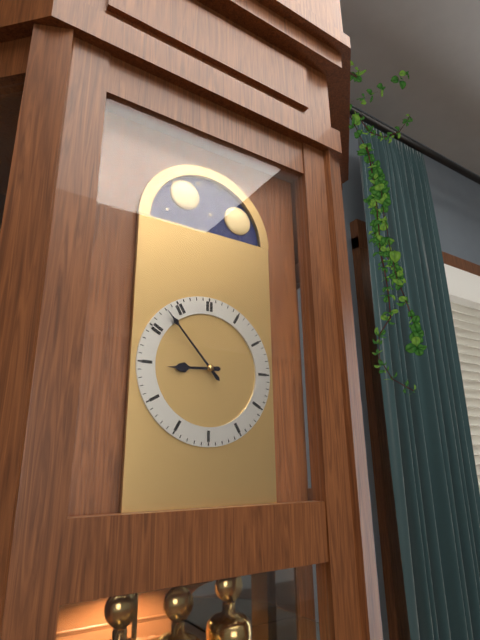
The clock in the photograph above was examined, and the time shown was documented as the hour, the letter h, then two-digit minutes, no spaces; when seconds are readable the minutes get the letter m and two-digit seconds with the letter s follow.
8h53
